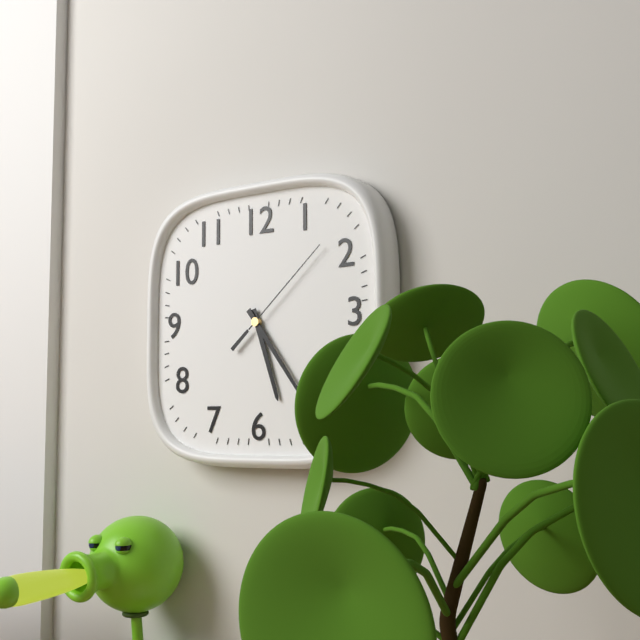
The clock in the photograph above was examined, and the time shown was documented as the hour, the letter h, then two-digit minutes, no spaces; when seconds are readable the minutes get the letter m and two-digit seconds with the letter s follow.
5h24m08s
